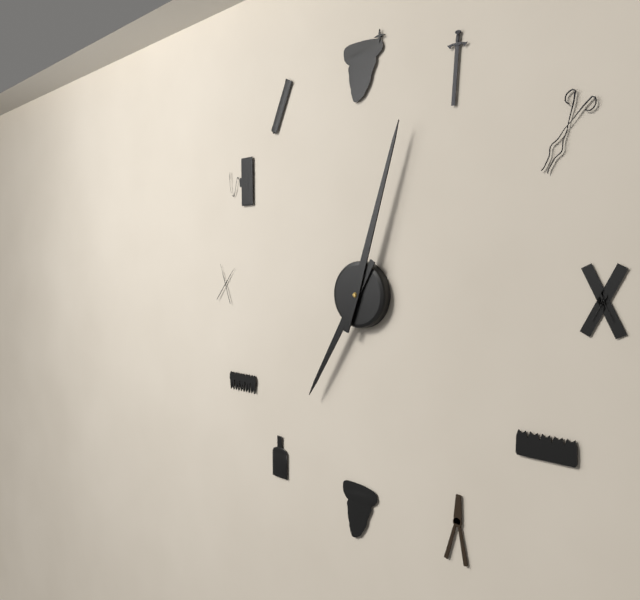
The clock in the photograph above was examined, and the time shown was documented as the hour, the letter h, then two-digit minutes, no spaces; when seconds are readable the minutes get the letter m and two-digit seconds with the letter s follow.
7h03
